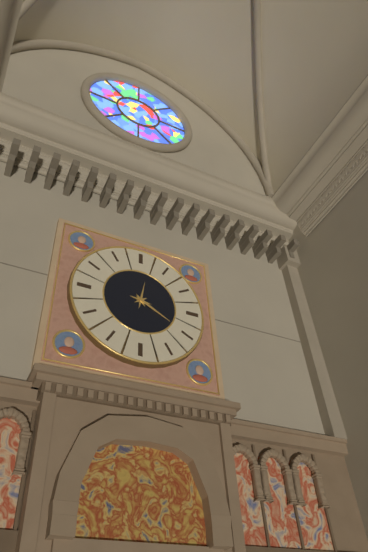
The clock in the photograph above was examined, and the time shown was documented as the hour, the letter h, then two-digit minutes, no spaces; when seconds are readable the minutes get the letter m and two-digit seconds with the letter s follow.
12h20
